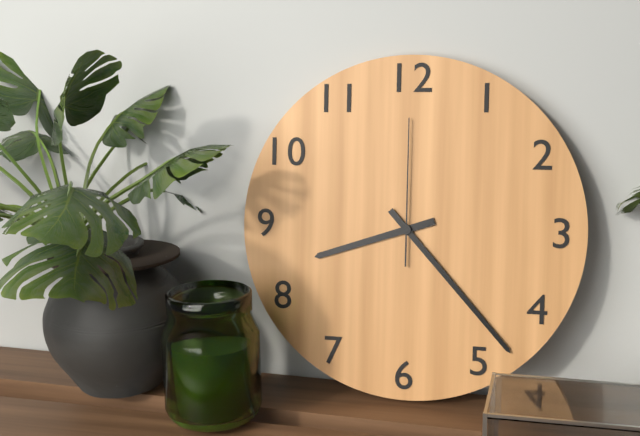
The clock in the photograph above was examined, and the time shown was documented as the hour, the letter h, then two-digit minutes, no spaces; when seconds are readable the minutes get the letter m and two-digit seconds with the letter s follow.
8h23m00s
